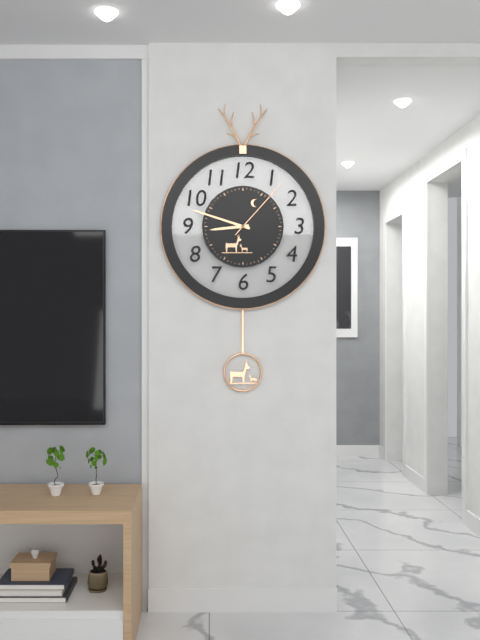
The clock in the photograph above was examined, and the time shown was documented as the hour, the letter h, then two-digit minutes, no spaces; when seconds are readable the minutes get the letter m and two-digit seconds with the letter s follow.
8h48m07s
